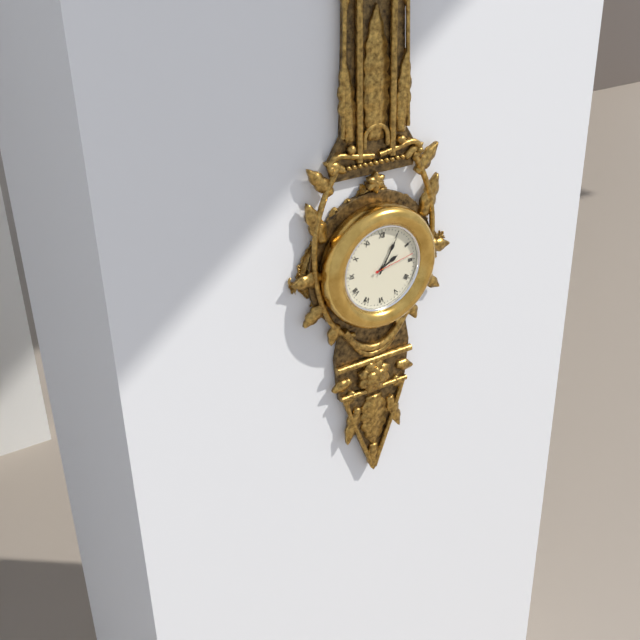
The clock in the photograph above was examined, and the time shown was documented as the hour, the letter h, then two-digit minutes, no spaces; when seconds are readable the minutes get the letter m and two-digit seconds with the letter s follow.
2h05m13s
